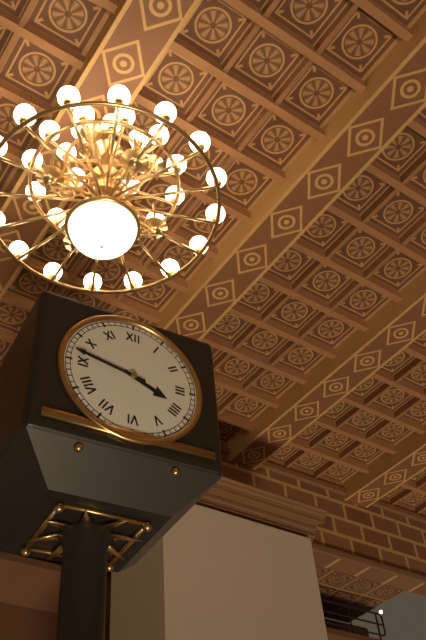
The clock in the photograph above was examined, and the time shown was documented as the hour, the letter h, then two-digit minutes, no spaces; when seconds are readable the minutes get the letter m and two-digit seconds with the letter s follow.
3h47
